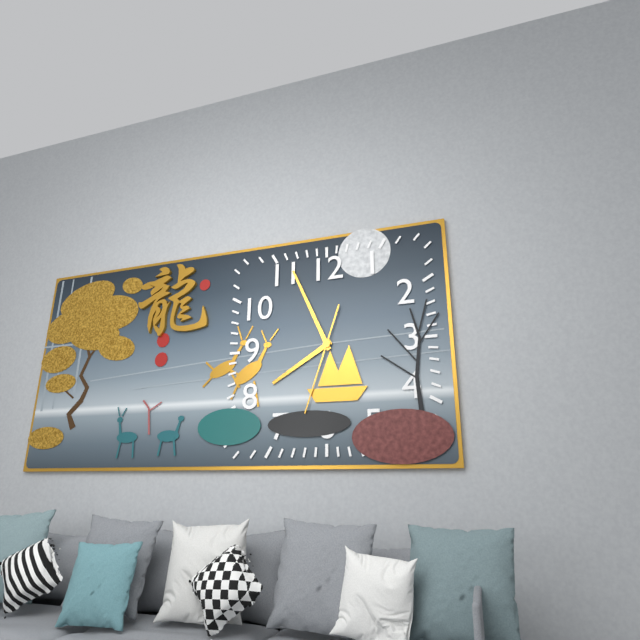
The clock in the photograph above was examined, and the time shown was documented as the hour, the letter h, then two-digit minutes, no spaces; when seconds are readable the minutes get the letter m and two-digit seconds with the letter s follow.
7h56m33s
